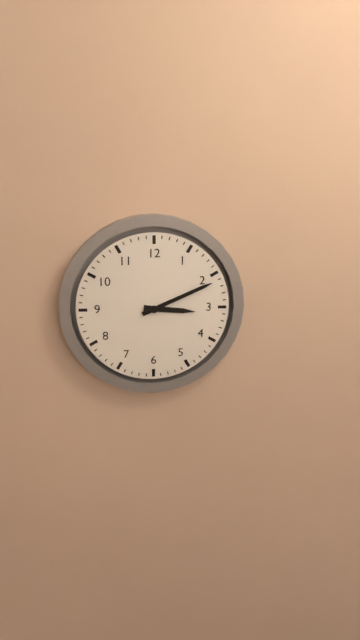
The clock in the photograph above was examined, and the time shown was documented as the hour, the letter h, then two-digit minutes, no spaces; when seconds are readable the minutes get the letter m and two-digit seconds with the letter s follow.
3h11
